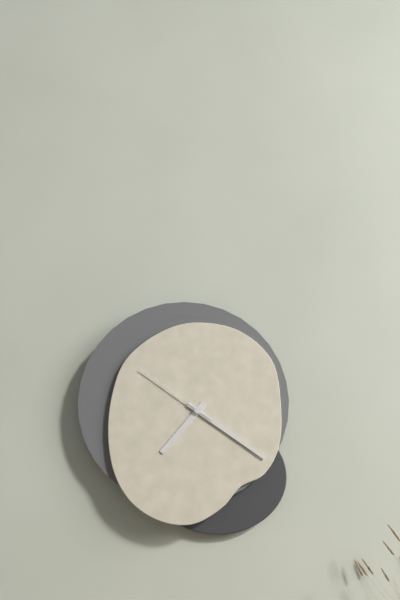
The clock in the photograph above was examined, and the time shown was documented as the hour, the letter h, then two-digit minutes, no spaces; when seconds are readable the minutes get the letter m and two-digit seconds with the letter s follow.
7h21m51s
